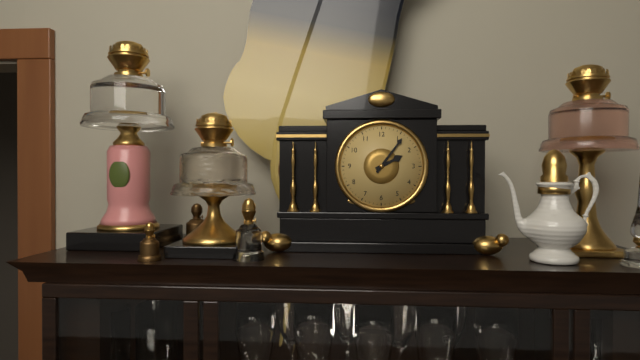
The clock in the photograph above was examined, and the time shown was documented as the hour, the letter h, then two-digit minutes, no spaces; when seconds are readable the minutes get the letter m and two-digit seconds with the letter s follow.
2h06
